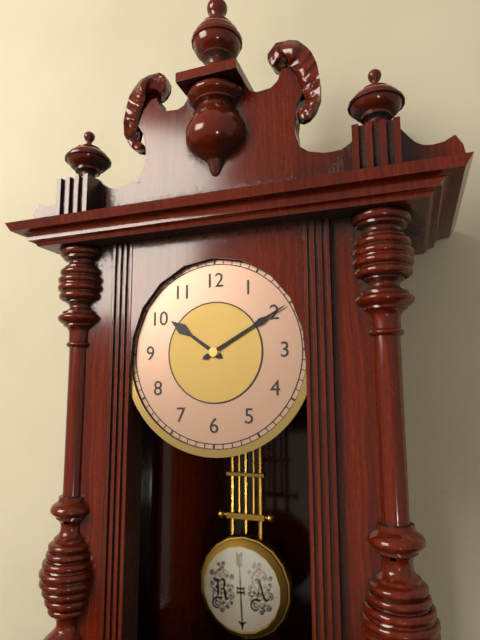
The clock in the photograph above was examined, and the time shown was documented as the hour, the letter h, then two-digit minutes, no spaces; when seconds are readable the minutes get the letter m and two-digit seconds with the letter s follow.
10h10
